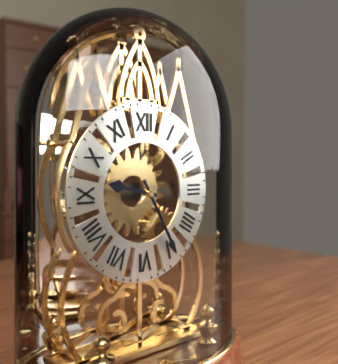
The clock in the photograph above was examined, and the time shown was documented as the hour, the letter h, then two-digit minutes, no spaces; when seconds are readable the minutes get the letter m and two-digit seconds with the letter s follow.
9h25
